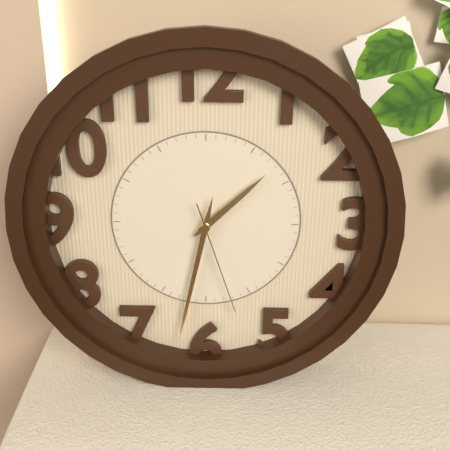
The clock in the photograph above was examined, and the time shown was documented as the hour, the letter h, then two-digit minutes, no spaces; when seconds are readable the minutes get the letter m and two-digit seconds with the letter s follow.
1h32m27s
